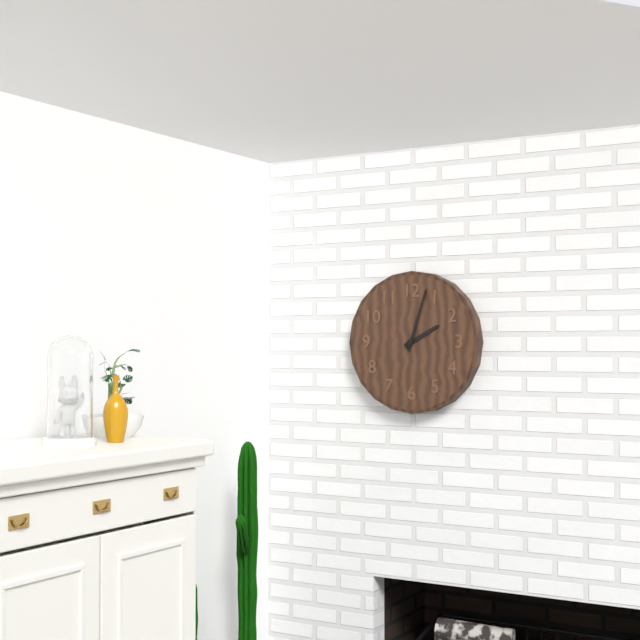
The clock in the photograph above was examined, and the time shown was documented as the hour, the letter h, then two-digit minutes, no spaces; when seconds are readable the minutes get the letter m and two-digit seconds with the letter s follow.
2h03
